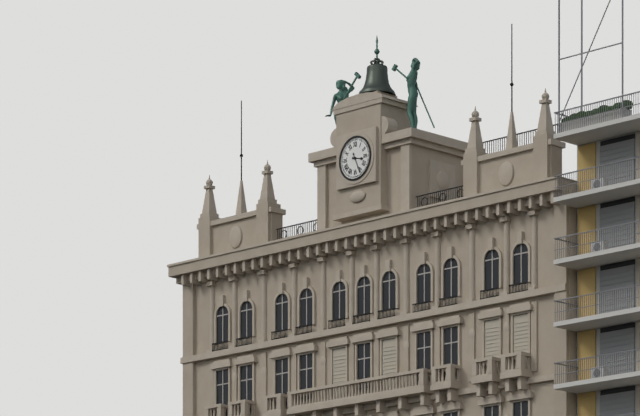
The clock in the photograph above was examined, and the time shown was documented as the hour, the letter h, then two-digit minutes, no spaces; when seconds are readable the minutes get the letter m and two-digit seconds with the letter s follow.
3h26
